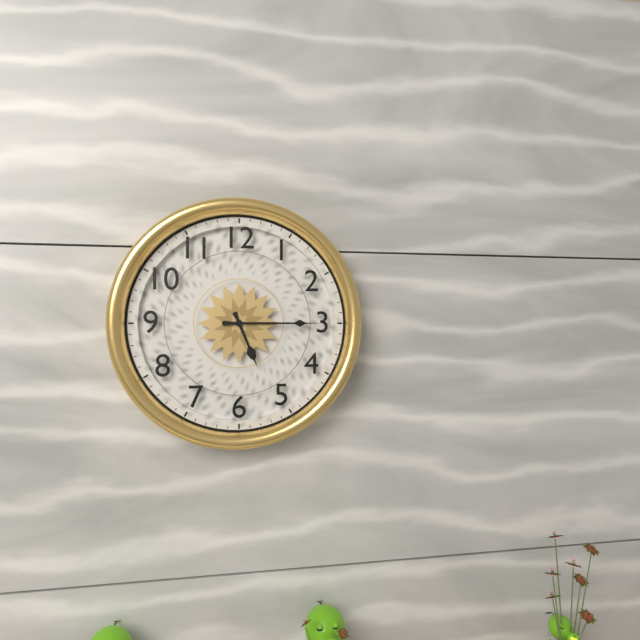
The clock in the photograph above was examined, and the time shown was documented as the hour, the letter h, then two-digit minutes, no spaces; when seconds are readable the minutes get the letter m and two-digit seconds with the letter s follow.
5h15
